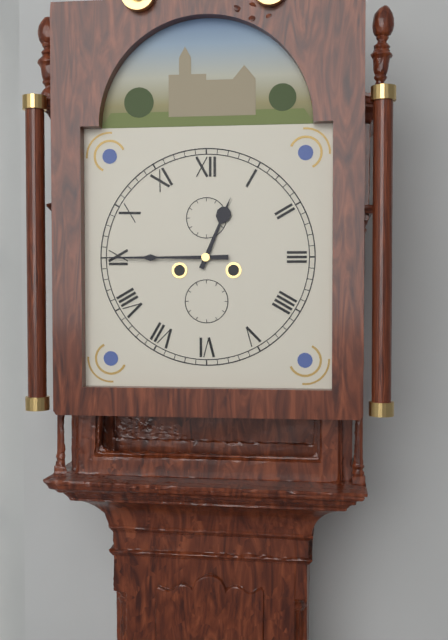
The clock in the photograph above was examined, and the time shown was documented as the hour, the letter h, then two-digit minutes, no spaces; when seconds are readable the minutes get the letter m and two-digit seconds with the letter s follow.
12h45
